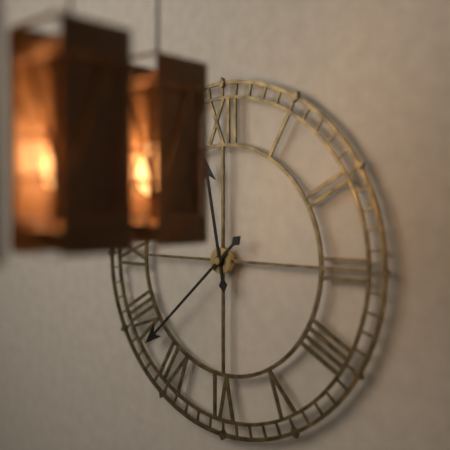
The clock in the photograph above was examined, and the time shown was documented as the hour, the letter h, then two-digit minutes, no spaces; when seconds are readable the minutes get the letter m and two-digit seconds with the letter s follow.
11h38
